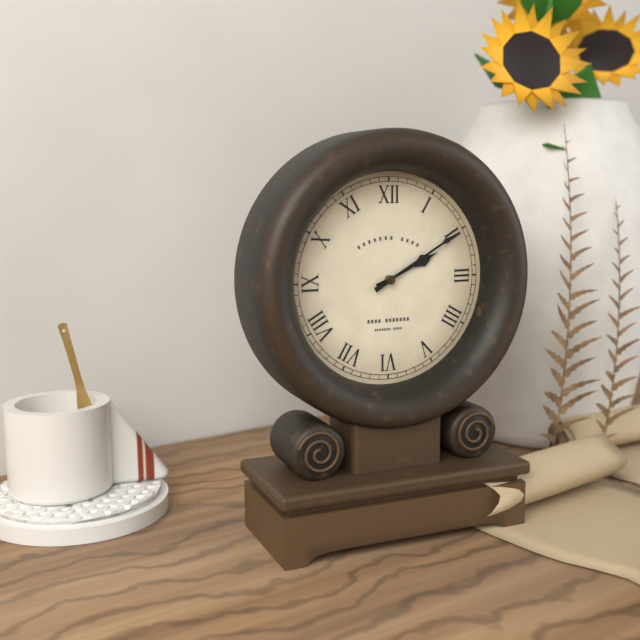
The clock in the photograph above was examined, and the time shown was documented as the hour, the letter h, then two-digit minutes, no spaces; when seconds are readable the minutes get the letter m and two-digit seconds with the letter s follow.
2h10
